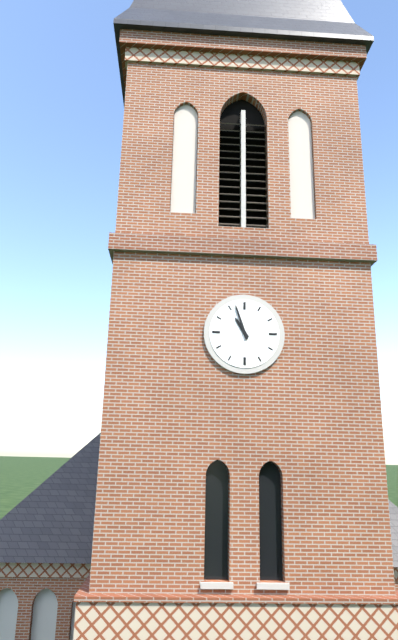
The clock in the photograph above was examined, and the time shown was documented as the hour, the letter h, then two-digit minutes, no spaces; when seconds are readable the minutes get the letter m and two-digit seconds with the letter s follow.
10h57
